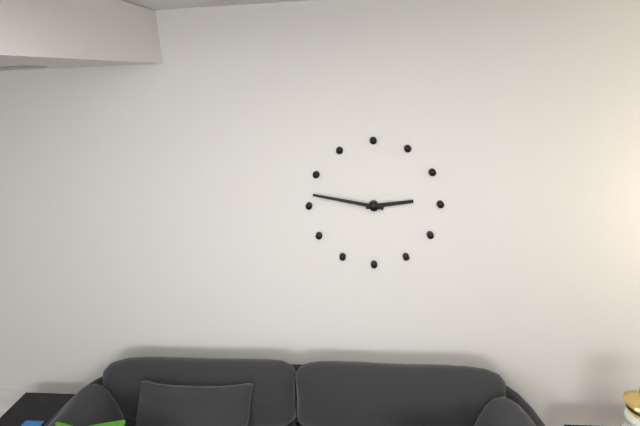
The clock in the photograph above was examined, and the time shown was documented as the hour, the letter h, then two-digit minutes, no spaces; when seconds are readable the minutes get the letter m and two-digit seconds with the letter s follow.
2h47
